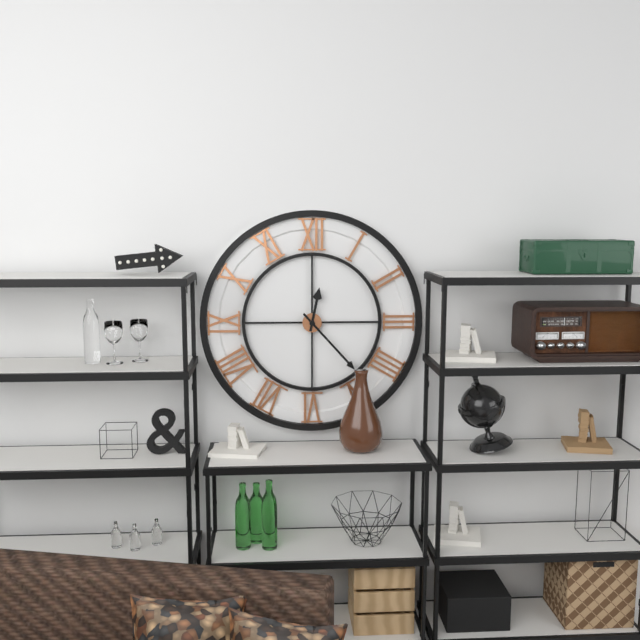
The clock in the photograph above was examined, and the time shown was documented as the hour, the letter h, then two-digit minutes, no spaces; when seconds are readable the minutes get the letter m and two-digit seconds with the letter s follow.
12h23
